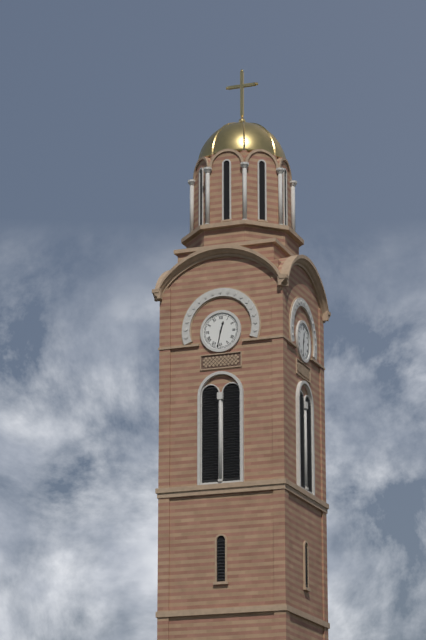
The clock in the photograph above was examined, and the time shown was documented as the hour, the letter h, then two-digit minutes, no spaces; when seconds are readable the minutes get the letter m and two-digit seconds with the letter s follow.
12h32
